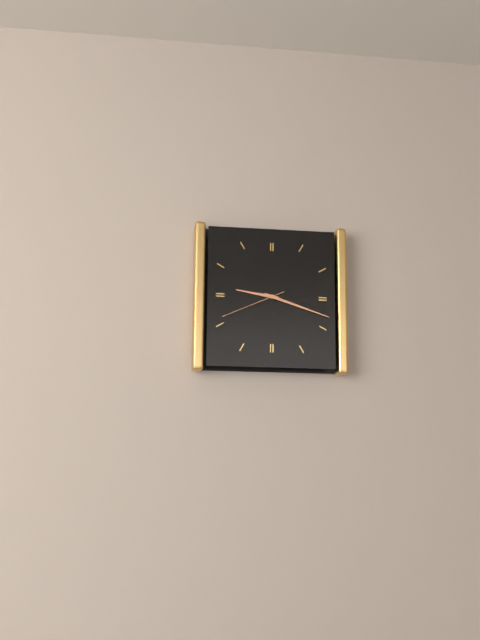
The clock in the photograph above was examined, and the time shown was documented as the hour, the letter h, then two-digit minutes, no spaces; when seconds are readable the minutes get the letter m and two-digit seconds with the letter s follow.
9h18m41s
